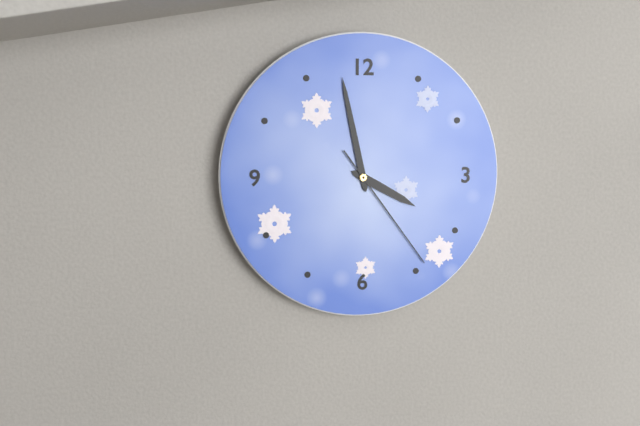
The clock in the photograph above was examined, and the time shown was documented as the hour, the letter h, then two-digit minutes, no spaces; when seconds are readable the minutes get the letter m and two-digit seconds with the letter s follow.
3h58m24s
